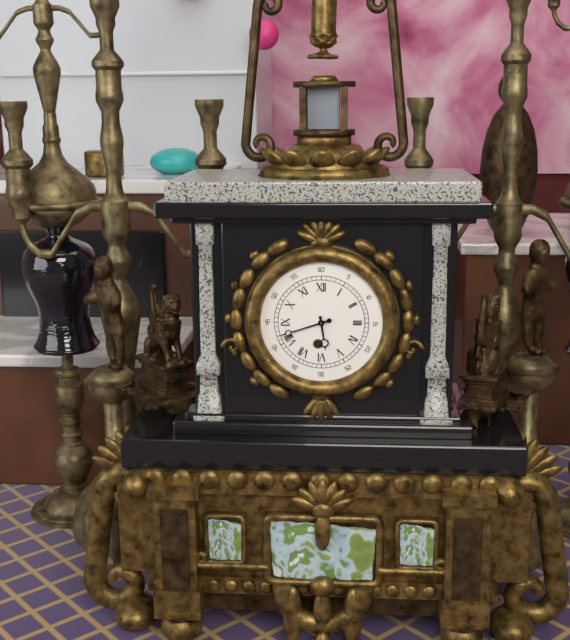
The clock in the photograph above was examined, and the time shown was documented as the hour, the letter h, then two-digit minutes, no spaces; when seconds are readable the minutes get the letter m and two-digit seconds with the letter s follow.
5h42
